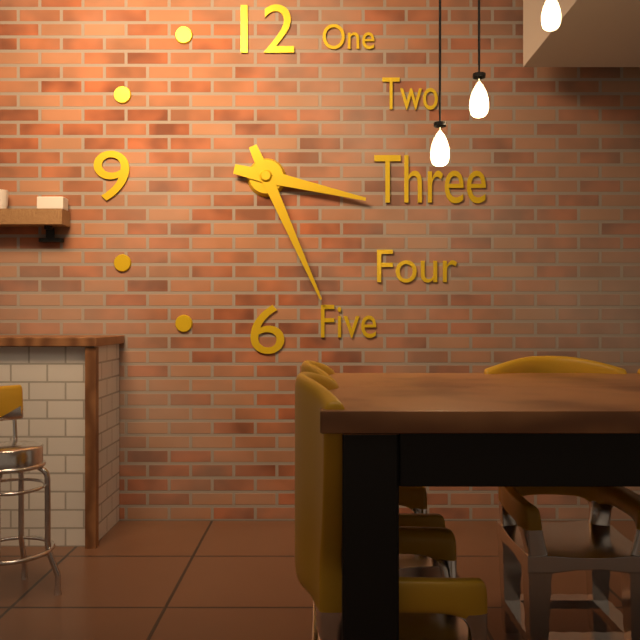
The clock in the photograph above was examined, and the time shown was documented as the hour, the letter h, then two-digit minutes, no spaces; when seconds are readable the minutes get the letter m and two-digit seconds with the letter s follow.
3h26
